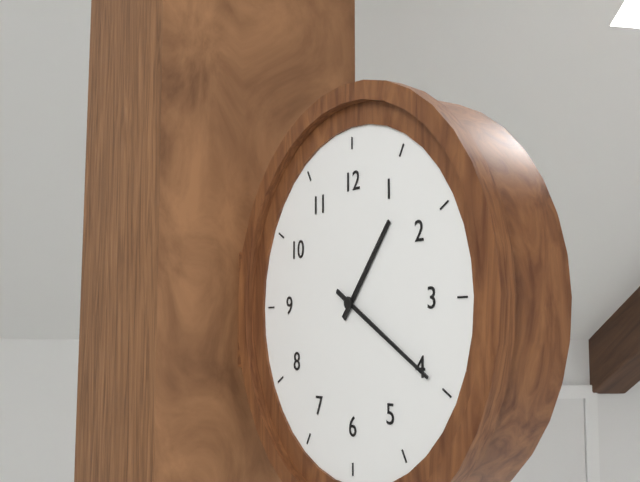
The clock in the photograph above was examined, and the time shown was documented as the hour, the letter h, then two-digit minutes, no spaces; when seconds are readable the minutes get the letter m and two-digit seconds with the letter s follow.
1h20
